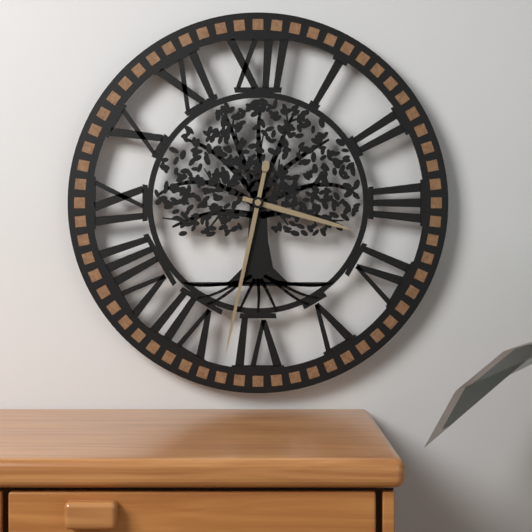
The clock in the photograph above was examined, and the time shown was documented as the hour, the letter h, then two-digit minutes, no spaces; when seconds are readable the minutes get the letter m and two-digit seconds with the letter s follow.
3h32
